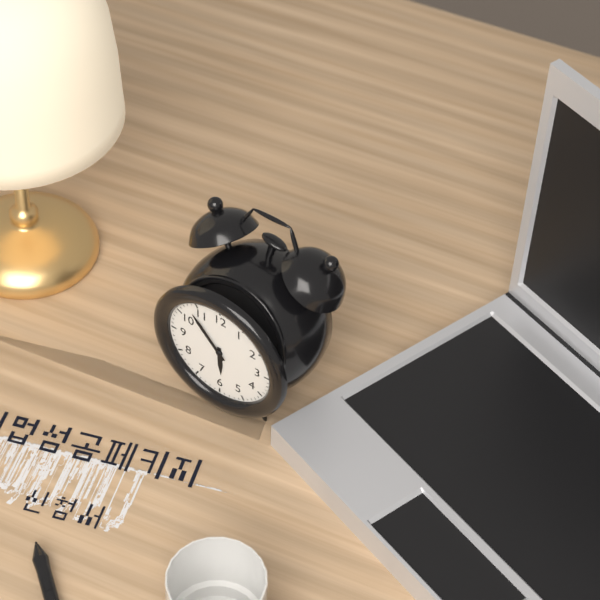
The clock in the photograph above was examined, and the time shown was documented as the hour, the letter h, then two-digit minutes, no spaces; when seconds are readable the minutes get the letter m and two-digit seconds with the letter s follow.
5h53
